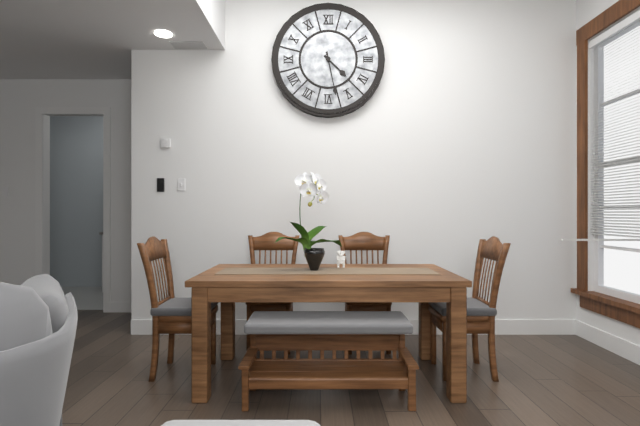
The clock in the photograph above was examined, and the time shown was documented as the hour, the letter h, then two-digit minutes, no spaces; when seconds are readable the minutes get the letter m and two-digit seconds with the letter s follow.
4h28
